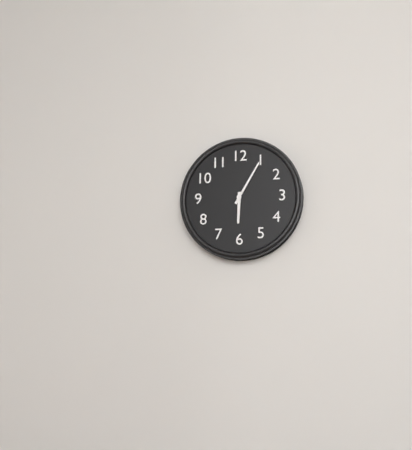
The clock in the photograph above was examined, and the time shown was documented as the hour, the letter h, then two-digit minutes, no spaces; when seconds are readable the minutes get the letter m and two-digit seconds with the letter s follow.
6h05
